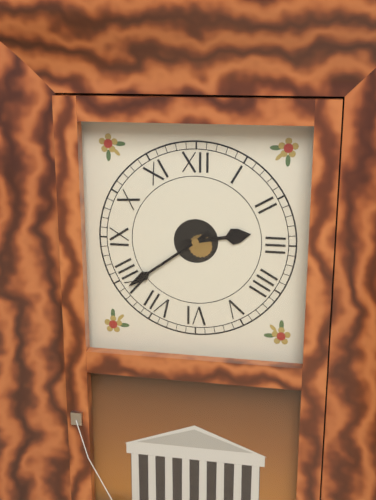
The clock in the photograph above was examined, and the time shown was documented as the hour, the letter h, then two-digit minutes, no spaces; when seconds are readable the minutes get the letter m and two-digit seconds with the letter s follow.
2h39
